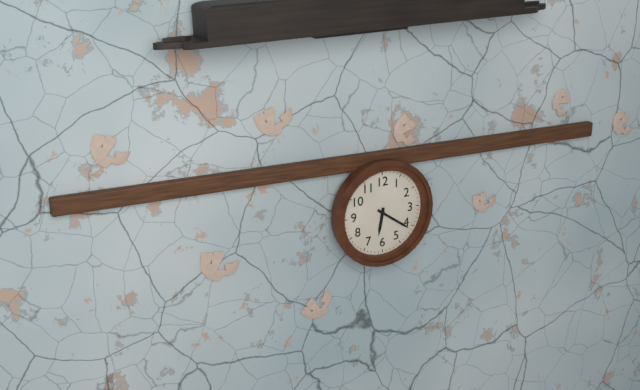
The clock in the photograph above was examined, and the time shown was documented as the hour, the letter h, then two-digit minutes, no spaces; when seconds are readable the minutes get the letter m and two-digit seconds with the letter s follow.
6h21
